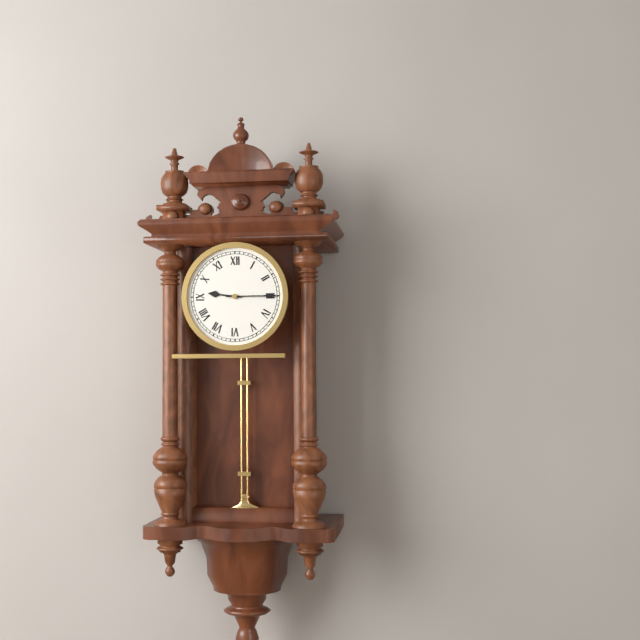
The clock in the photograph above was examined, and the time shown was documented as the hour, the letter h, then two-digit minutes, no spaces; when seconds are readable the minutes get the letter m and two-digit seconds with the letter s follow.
9h15
